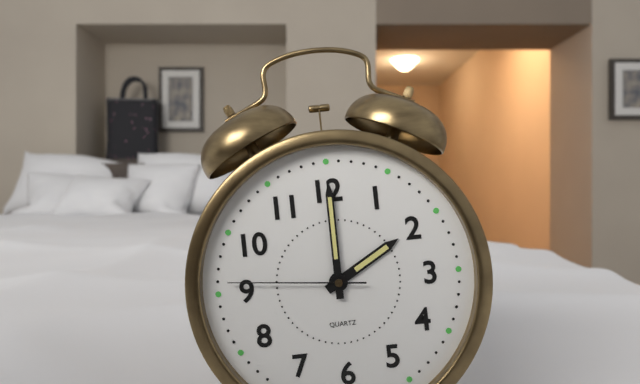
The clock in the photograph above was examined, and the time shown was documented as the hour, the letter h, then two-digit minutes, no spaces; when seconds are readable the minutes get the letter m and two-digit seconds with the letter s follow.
2h00m46s
